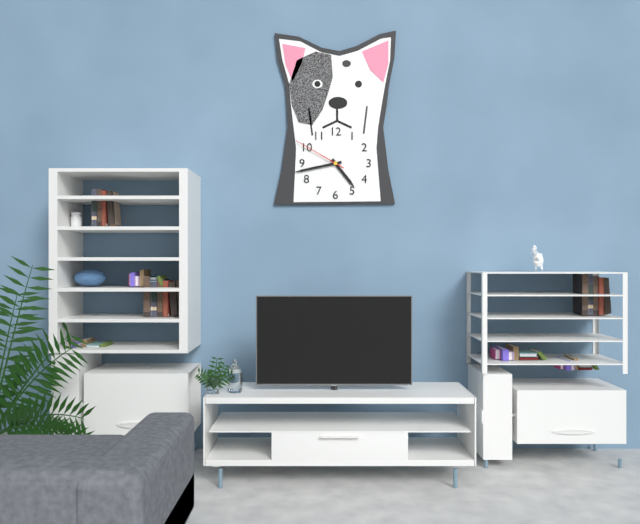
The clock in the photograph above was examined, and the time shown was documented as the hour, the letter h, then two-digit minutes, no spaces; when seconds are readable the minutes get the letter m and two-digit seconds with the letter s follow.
4h43m50s
